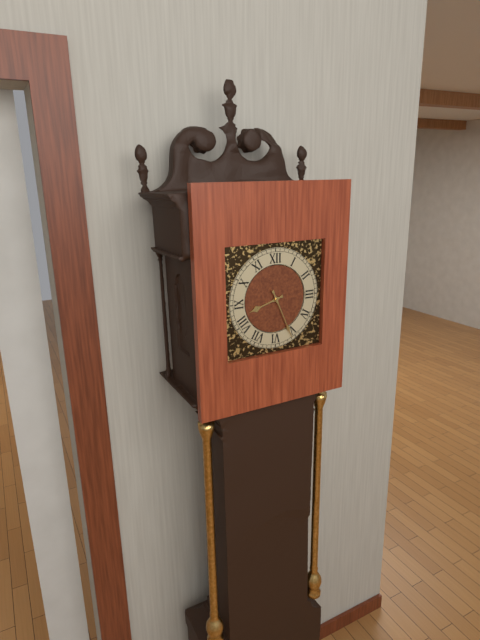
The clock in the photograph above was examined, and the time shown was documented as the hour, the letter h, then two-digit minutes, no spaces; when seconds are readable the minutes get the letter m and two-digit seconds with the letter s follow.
8h26
